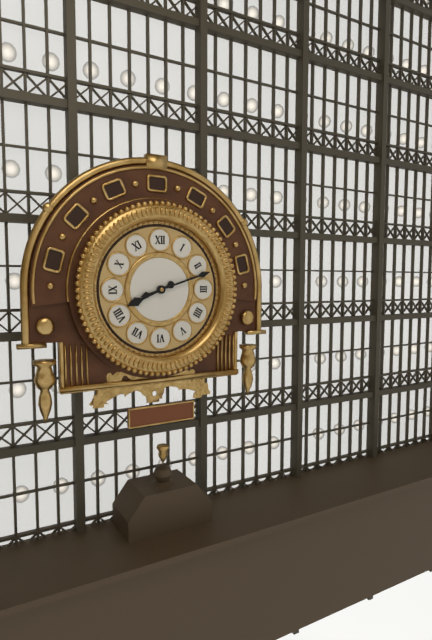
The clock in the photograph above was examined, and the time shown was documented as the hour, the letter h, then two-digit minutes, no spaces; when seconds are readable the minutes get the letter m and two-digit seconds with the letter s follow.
8h12
